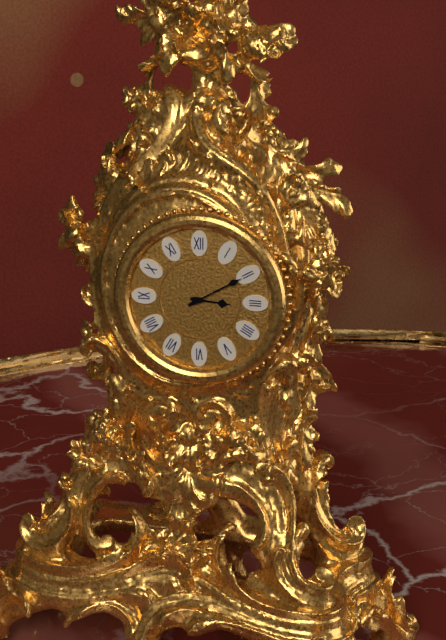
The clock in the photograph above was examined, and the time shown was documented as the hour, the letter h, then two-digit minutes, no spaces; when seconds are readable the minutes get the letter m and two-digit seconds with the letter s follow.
3h10
